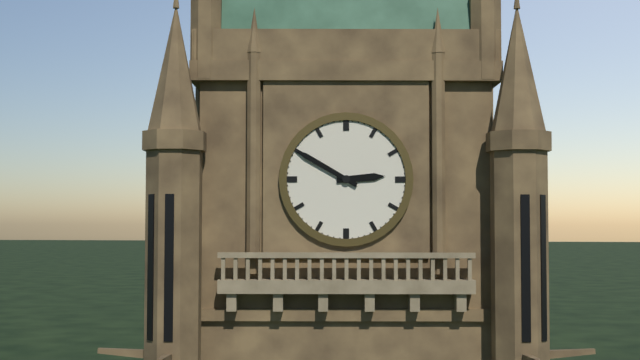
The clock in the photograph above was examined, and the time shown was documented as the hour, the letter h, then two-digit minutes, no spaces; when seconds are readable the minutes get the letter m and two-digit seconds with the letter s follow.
2h50
